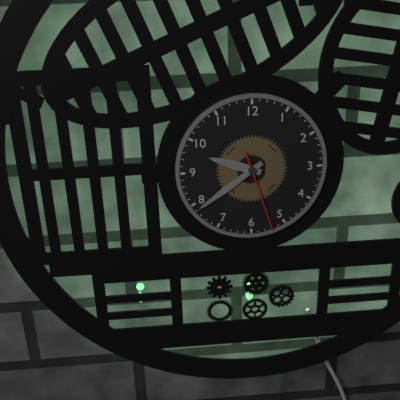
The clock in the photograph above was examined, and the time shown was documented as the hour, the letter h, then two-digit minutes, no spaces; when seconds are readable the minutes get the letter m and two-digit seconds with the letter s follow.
9h39m27s
